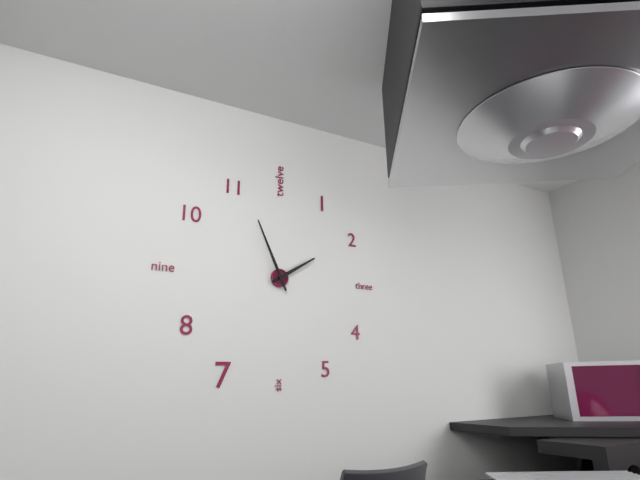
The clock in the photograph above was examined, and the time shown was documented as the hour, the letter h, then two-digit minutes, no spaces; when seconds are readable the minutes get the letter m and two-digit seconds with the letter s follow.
1h56
